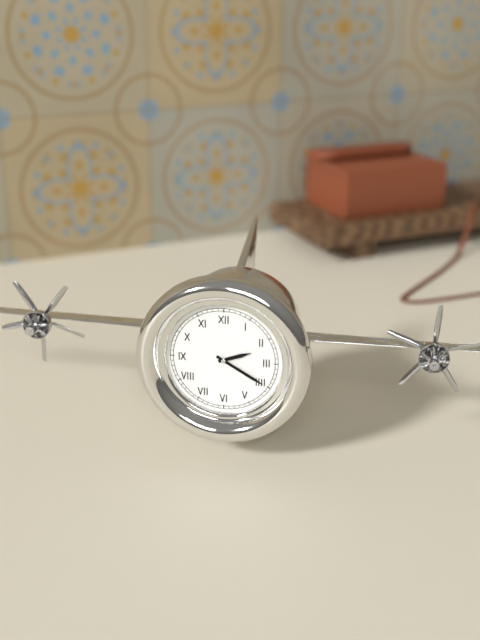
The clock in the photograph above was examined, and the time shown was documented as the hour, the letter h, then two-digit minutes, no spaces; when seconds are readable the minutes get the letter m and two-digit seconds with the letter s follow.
2h20
